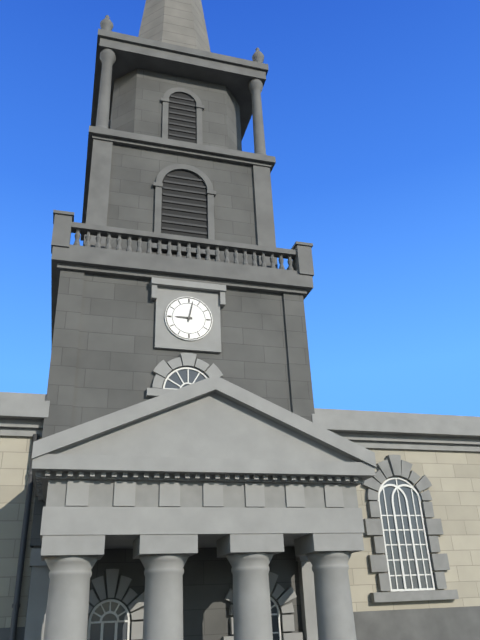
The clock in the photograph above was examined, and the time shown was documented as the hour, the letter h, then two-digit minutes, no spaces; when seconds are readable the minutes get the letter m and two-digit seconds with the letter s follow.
9h02
